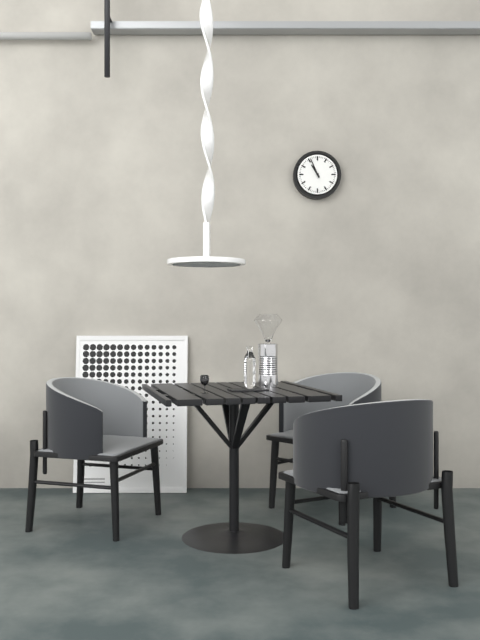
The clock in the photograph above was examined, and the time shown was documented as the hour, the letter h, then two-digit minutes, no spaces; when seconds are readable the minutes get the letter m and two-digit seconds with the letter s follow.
10h56
